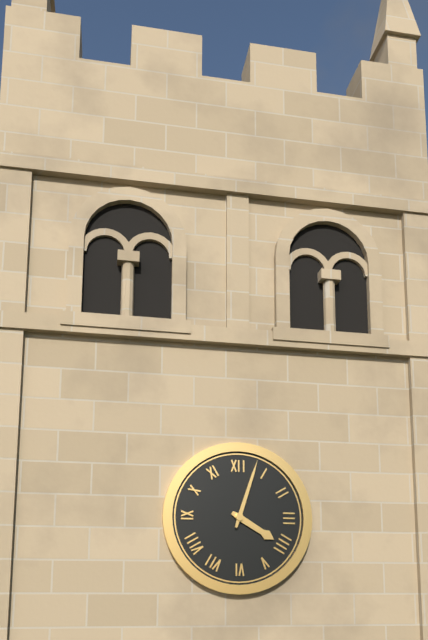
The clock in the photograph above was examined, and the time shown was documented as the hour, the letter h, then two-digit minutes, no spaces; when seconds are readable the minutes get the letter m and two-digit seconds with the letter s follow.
4h03
